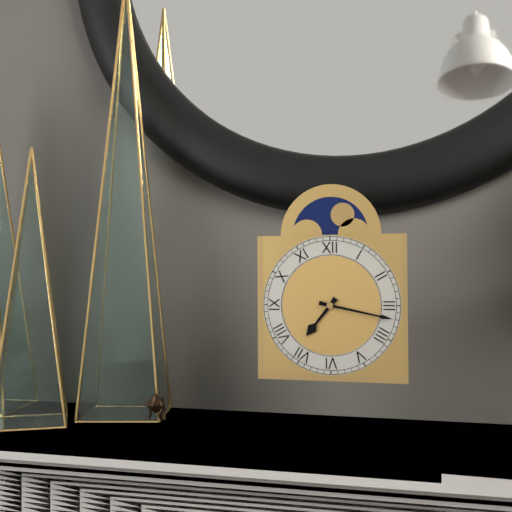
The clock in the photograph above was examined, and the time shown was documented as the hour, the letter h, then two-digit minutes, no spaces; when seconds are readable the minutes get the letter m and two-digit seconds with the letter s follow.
7h17
